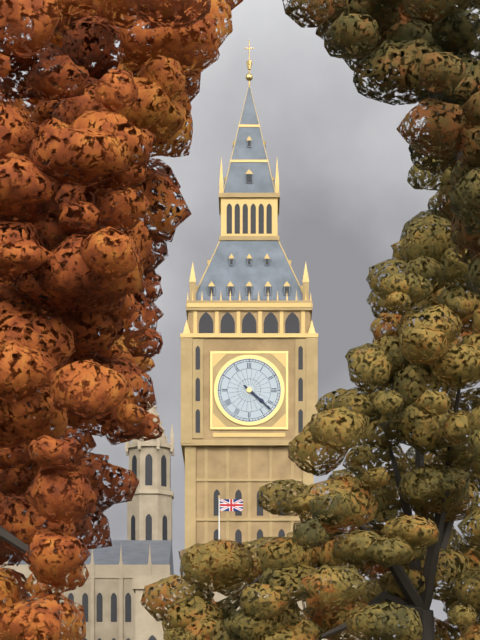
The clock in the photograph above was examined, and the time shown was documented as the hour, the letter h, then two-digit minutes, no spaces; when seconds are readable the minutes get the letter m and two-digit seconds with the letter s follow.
4h22
